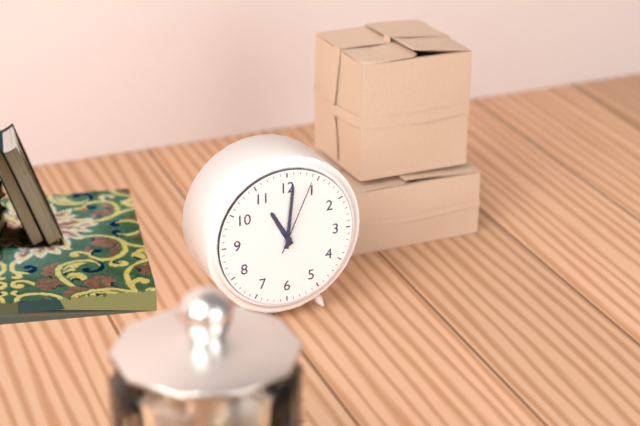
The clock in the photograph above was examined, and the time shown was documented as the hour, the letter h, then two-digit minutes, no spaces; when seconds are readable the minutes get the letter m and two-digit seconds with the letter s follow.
11h01m04s
